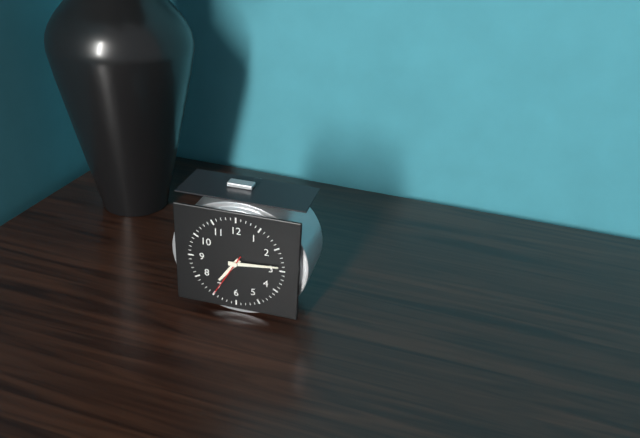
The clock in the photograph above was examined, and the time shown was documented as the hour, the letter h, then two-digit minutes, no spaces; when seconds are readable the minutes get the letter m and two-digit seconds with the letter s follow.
7h14m35s
